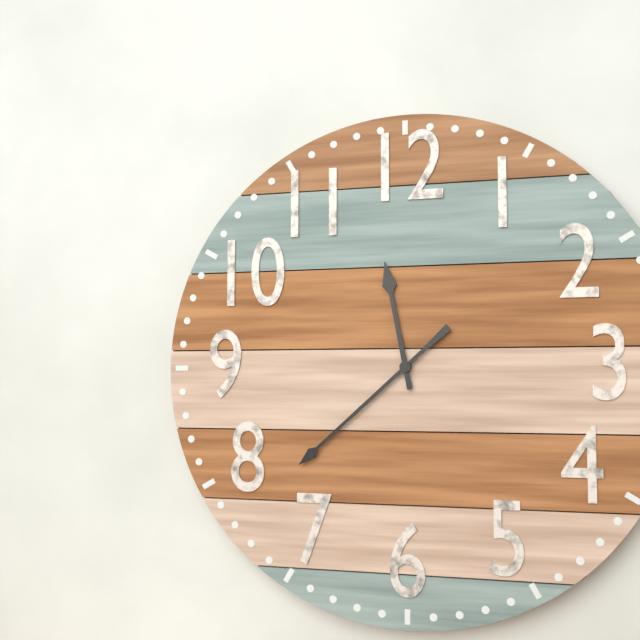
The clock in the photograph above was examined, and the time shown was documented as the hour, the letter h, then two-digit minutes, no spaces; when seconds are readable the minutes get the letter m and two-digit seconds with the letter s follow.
11h38
